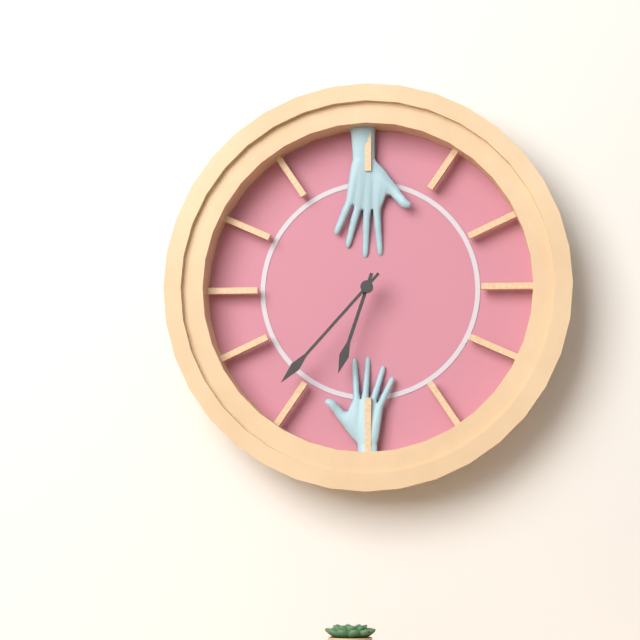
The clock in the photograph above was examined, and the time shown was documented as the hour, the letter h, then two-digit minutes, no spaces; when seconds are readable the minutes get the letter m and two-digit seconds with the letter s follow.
6h37
